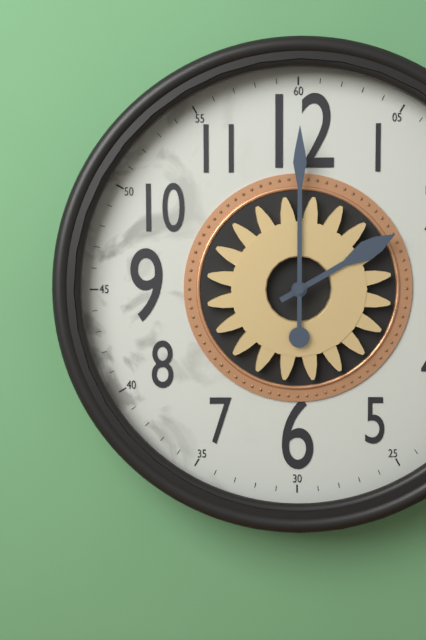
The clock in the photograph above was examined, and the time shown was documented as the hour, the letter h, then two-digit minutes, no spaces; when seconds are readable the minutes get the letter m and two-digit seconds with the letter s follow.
2h00
